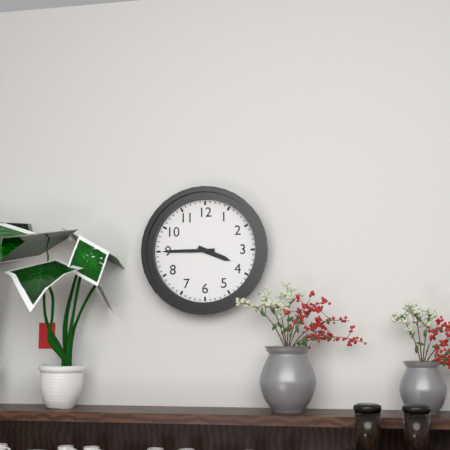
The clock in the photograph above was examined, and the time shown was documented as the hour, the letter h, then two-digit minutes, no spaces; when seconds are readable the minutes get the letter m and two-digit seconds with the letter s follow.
3h45
